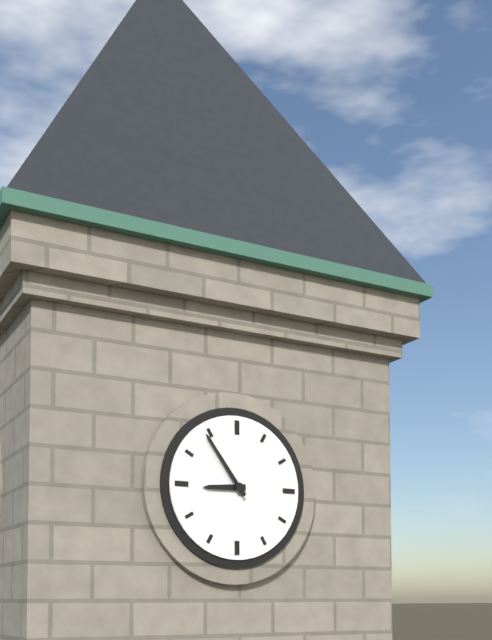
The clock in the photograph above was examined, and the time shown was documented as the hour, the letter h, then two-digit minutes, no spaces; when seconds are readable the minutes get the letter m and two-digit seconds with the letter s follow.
8h54
